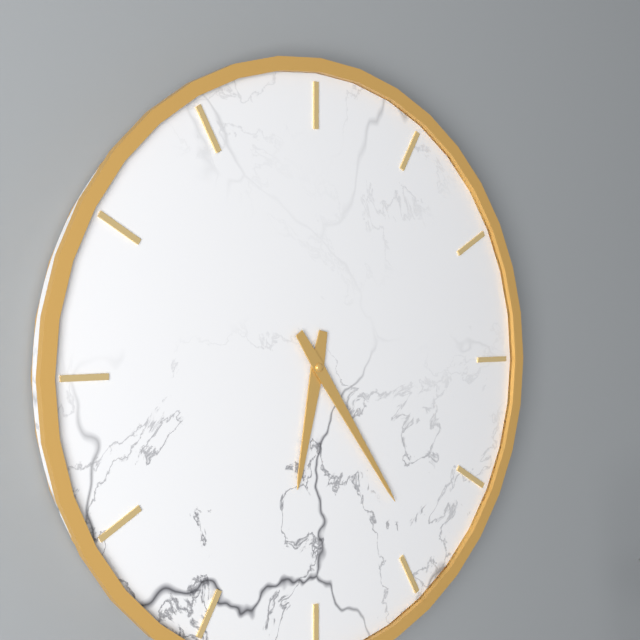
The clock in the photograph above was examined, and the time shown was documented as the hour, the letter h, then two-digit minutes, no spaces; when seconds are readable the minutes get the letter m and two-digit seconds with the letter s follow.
6h24
